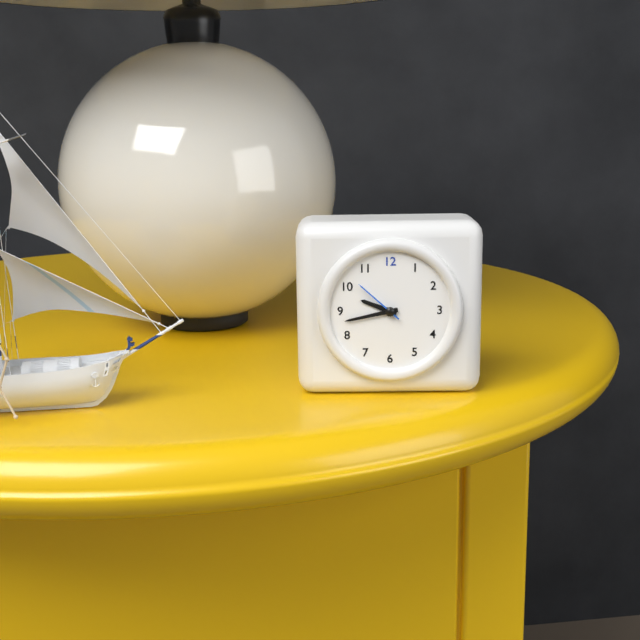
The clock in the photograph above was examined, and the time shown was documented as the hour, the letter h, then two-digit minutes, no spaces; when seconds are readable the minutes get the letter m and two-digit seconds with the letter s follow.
9h43m52s
